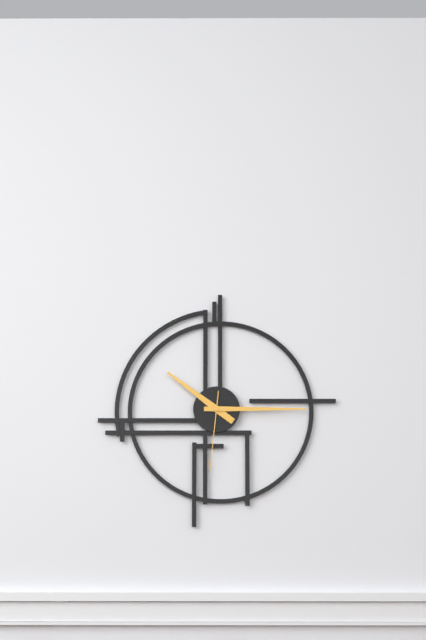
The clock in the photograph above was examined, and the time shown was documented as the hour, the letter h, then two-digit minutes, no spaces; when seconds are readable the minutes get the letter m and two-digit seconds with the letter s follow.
10h15m31s
